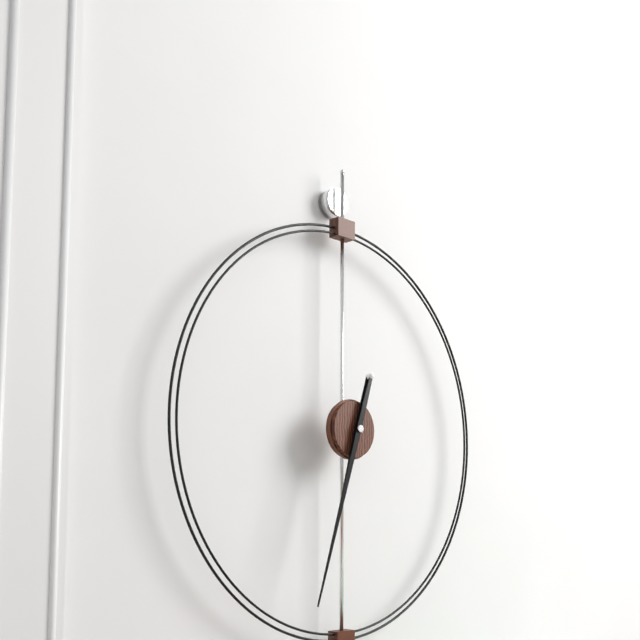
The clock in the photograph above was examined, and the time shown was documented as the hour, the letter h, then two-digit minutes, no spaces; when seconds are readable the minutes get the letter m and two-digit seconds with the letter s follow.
6h33
